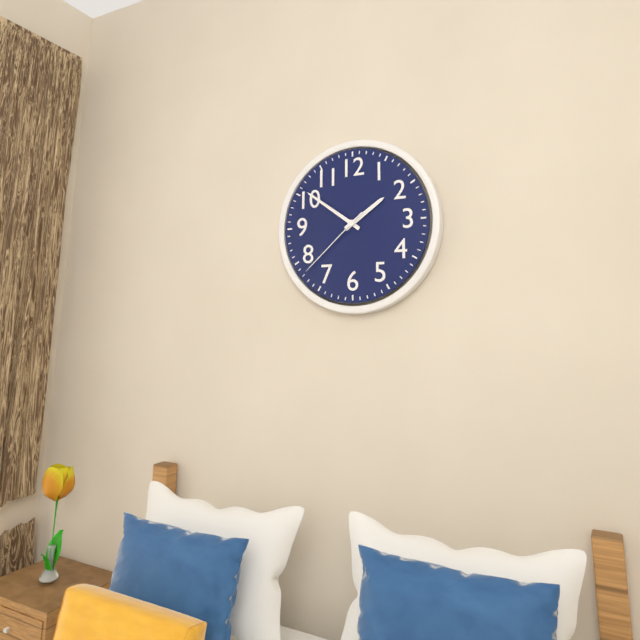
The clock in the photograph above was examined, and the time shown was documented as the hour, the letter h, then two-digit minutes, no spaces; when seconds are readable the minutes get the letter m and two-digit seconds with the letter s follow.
1h51m38s
